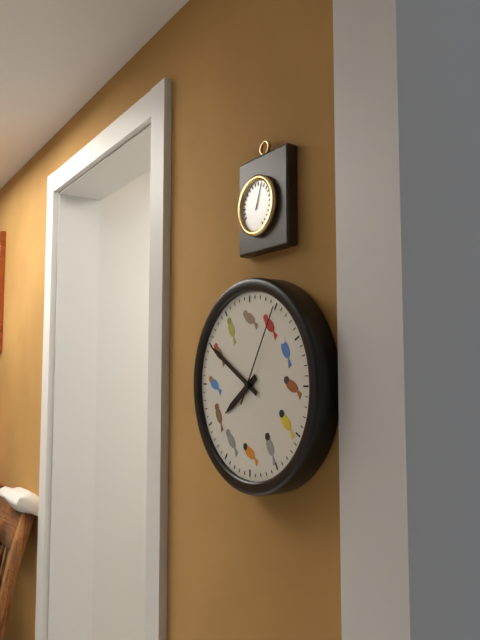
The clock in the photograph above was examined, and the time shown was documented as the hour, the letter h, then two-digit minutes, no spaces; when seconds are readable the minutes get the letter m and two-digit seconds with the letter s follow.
7h50m05s
